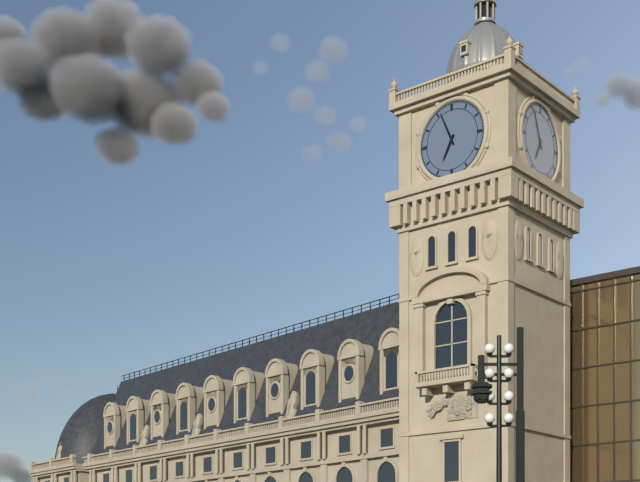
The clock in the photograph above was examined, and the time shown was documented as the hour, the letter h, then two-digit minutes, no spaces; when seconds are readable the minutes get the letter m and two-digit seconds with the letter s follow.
6h56
